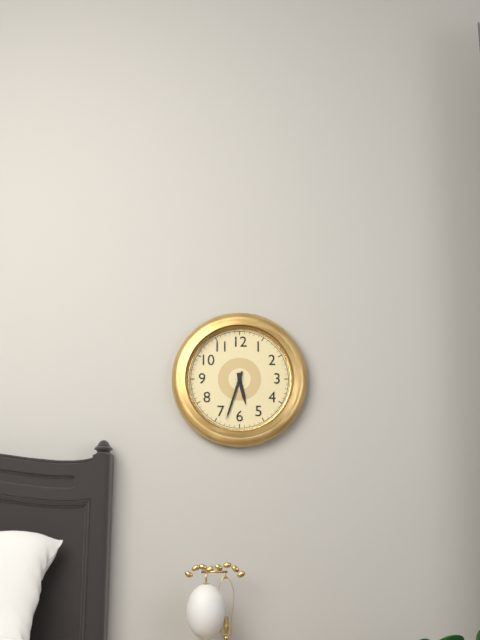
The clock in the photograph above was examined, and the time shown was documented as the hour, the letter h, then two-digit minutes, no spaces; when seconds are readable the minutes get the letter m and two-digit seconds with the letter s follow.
5h33
